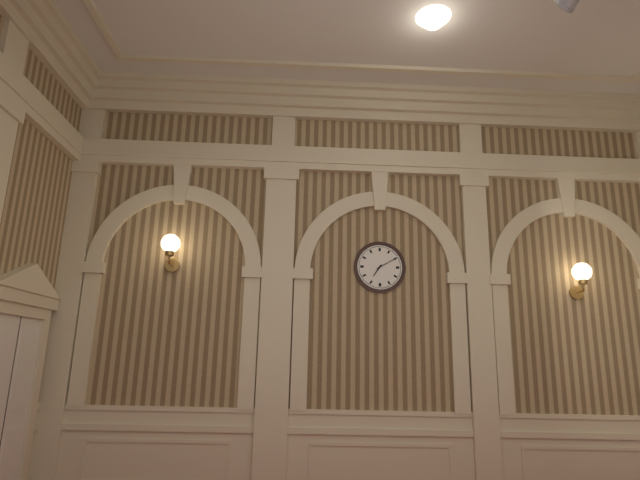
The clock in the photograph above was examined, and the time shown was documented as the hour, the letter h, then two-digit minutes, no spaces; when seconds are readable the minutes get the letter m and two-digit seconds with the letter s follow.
7h10
